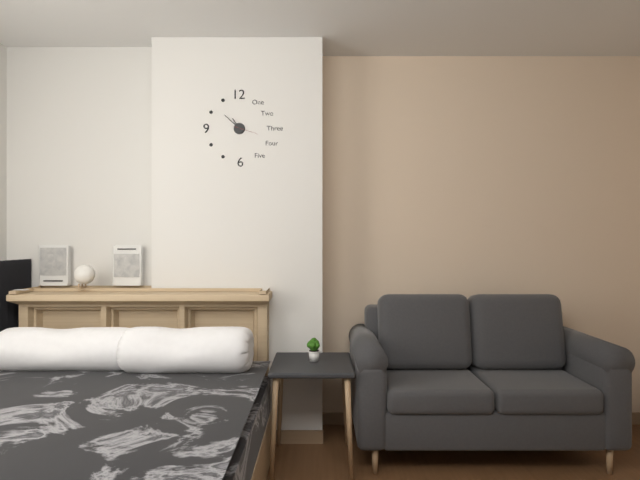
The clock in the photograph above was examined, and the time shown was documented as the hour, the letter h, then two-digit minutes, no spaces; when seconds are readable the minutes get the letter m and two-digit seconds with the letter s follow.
10h52
